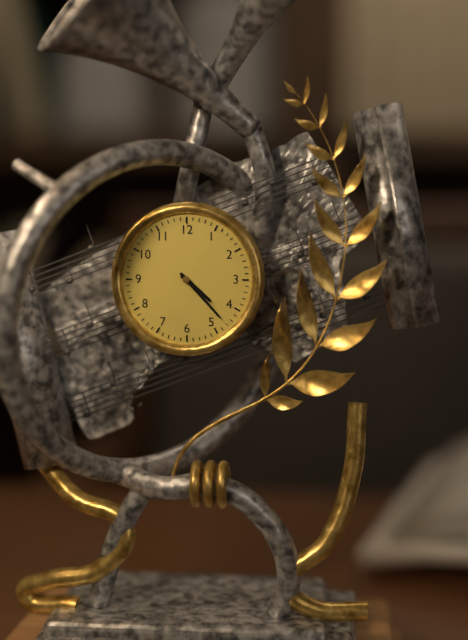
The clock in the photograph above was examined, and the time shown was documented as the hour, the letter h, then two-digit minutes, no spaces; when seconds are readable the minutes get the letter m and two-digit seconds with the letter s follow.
4h23
